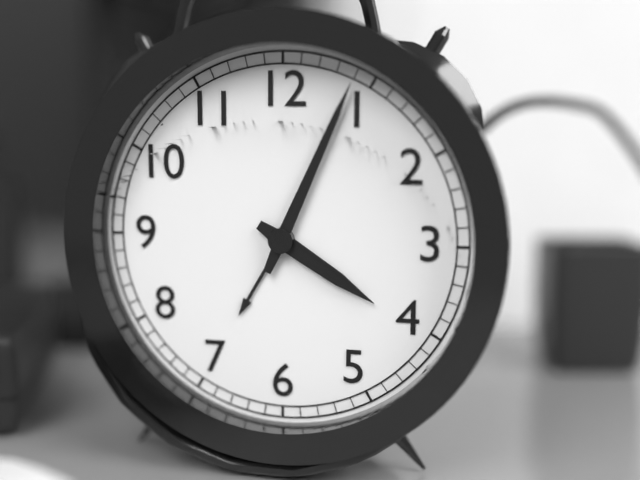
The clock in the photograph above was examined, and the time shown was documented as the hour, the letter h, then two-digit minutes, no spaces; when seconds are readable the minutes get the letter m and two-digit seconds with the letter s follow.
4h04
